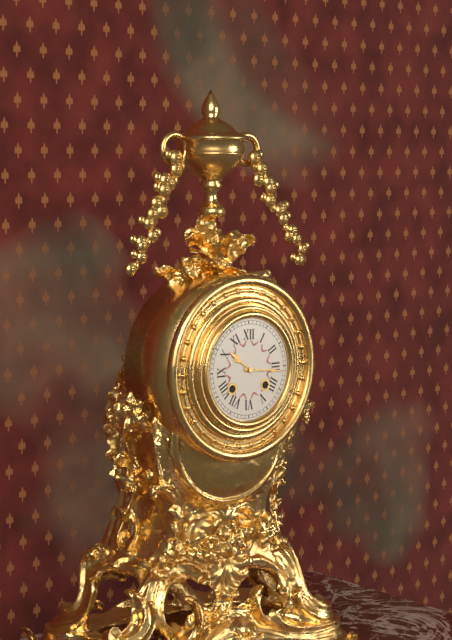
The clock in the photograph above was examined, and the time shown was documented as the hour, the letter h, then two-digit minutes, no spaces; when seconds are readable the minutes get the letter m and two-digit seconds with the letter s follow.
10h16
